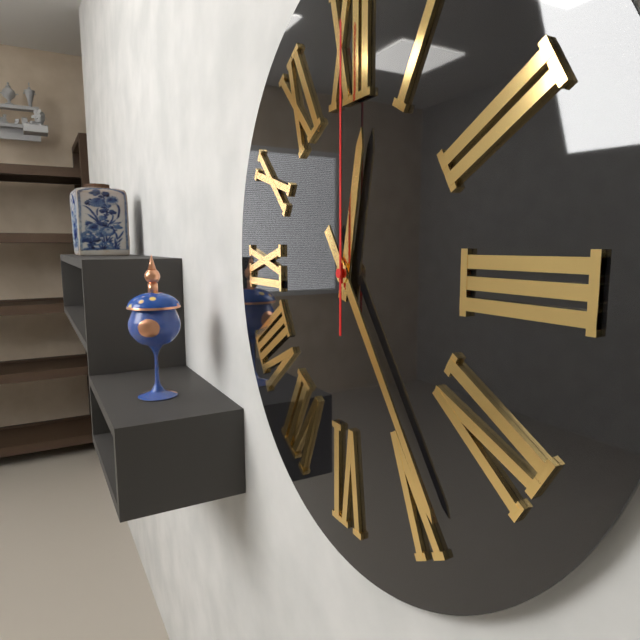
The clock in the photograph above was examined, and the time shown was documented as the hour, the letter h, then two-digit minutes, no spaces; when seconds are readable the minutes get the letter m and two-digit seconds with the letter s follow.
12h24m00s
